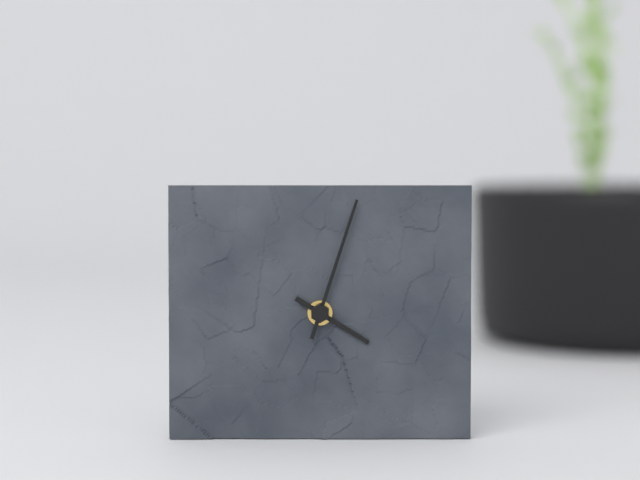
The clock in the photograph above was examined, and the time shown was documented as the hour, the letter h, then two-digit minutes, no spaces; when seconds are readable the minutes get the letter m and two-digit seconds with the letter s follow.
4h03
